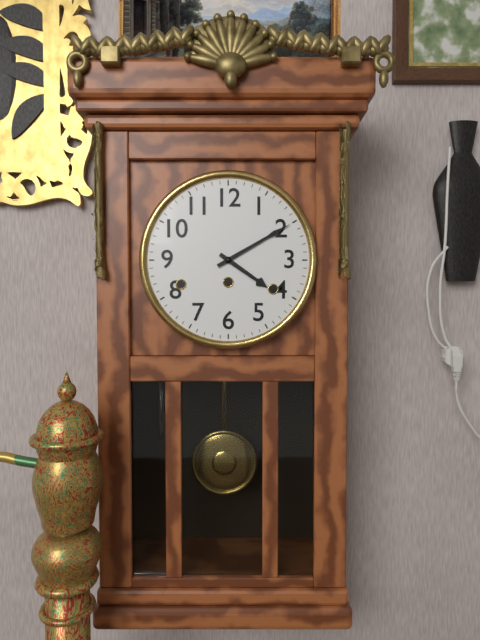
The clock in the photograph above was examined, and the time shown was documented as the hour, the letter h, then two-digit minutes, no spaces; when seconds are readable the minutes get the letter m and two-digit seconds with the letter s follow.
4h10
